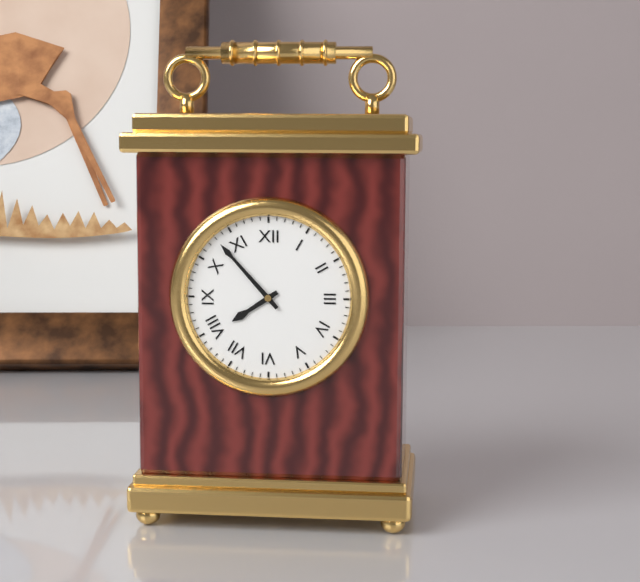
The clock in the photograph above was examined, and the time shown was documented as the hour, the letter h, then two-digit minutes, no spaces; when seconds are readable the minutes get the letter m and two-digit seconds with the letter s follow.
7h53
